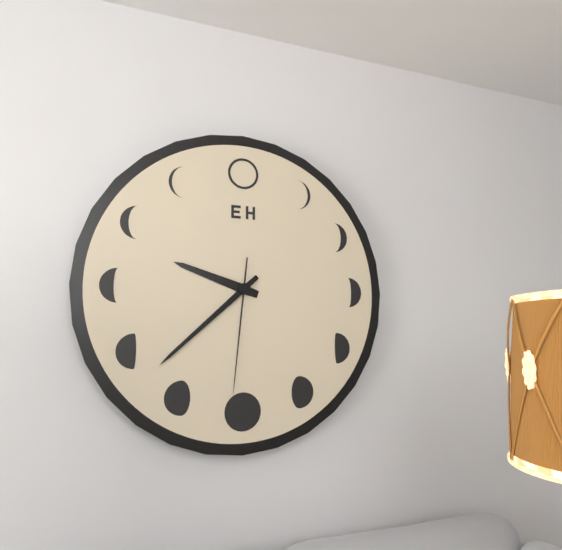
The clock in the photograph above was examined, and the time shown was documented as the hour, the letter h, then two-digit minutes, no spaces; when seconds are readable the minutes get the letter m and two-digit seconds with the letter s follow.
9h38m31s
